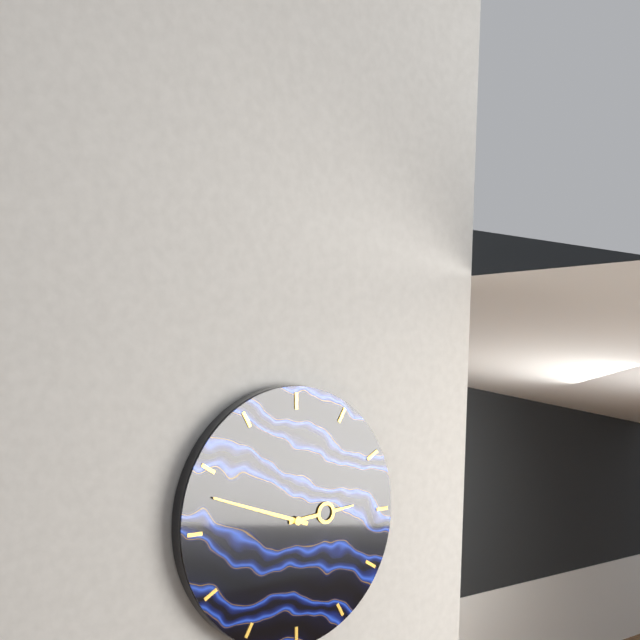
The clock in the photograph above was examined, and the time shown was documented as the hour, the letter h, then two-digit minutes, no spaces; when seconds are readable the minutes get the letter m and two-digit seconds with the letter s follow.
2h48
